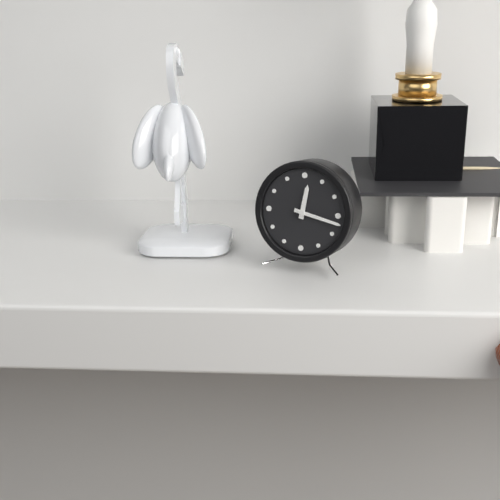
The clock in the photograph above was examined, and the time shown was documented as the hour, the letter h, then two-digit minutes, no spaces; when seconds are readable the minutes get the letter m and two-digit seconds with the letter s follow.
12h17
